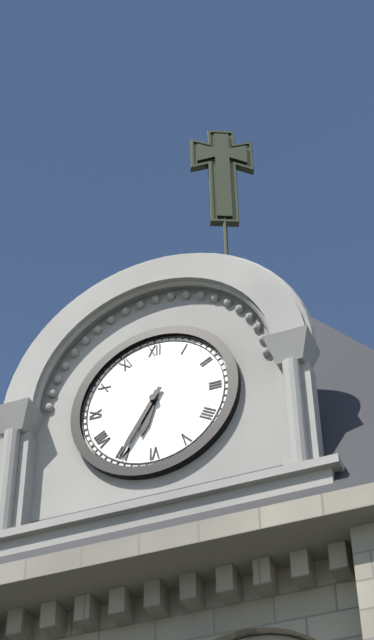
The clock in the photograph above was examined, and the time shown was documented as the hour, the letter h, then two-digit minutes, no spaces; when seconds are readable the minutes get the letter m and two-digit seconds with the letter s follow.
6h35
